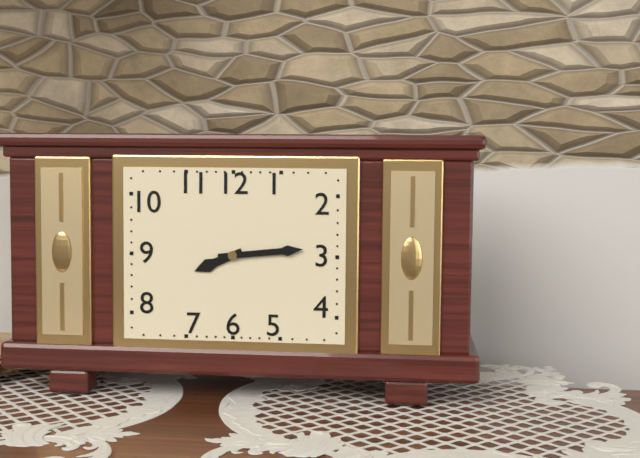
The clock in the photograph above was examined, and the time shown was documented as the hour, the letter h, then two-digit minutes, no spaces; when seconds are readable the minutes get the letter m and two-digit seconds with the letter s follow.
8h14
